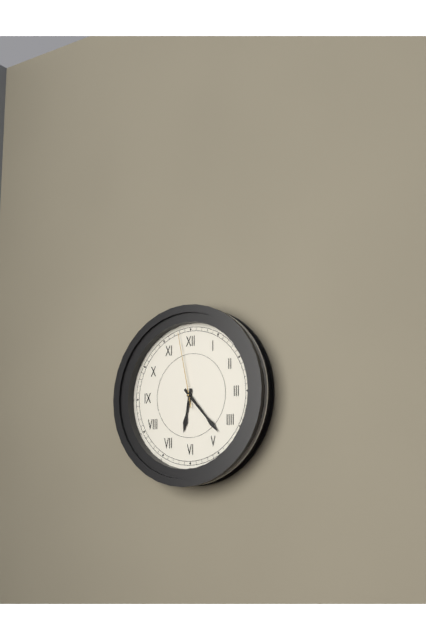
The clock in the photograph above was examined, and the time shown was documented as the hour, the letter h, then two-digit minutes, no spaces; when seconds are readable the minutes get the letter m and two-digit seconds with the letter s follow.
6h23m58s
